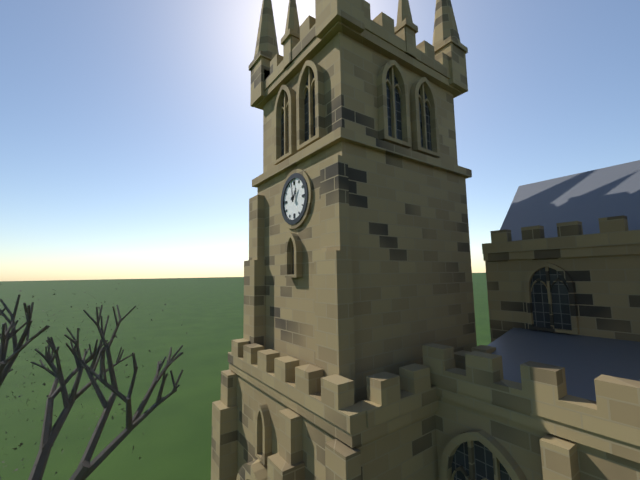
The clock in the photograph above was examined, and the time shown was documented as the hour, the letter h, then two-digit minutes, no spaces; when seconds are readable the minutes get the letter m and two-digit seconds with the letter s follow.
12h59
